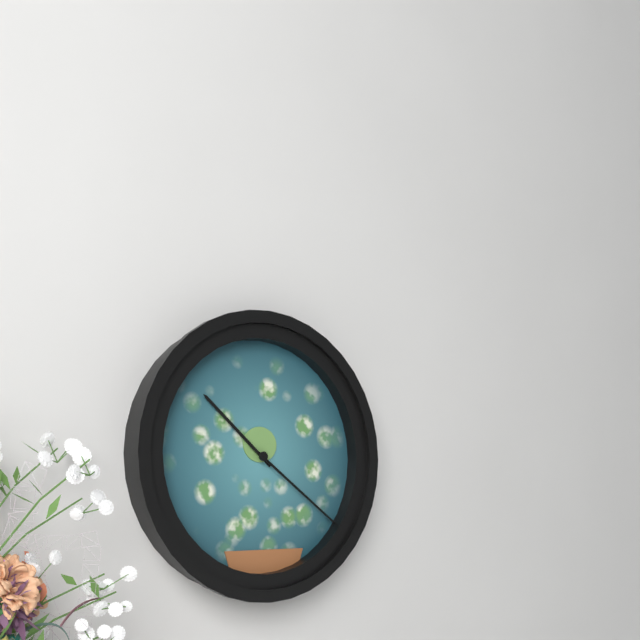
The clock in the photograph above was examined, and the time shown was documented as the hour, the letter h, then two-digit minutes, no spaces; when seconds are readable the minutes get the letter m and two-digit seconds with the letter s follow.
10h21
